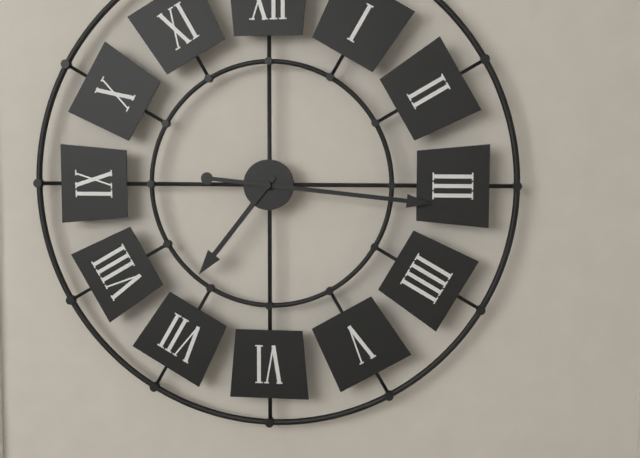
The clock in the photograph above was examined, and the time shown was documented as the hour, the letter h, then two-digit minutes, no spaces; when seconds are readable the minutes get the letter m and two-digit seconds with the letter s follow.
7h16
